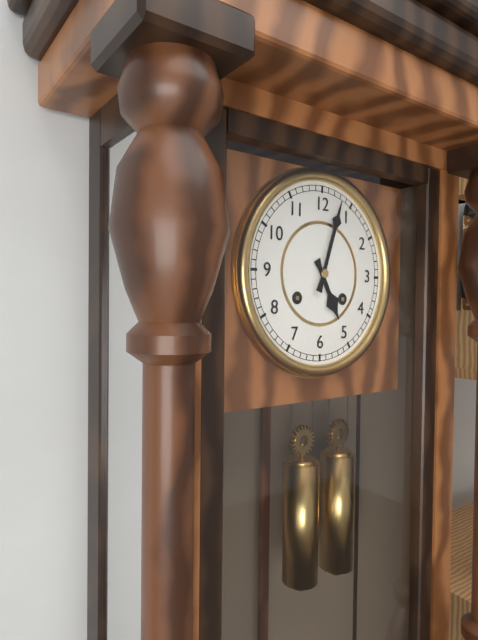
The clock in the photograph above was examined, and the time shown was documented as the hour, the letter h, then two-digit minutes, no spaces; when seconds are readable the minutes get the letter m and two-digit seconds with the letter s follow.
5h03
